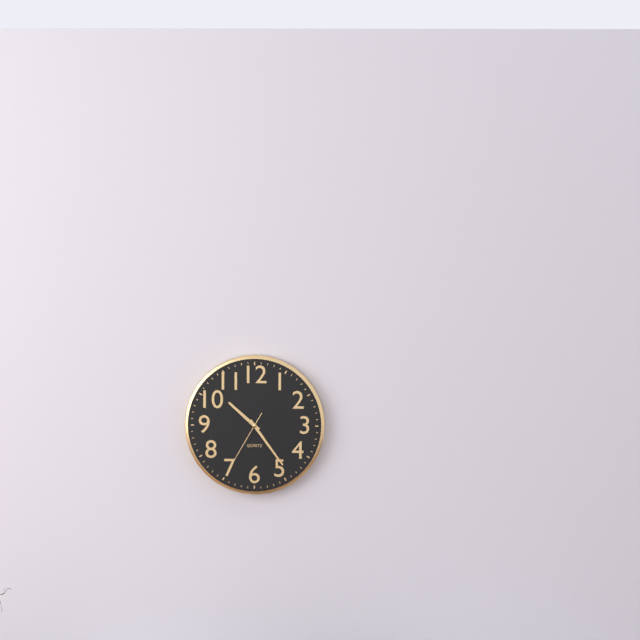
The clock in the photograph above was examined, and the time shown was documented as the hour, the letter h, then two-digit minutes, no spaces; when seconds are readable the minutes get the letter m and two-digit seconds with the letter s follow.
10h24m35s
